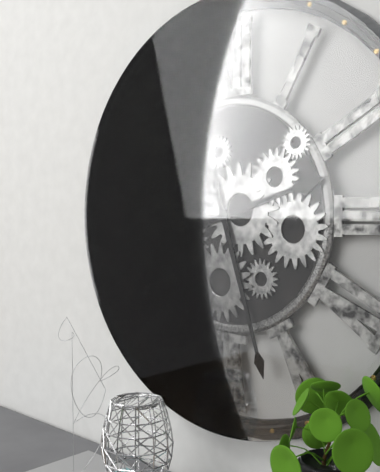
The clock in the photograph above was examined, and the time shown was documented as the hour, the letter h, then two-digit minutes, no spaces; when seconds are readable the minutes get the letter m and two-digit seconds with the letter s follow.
2h27
